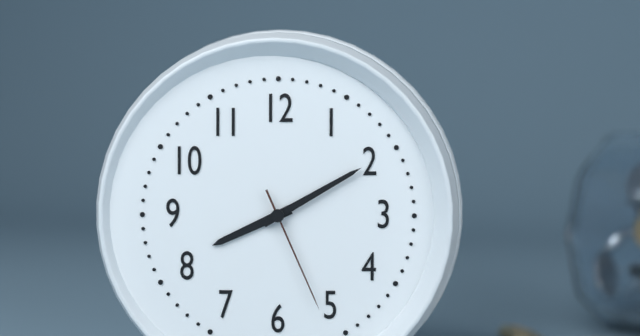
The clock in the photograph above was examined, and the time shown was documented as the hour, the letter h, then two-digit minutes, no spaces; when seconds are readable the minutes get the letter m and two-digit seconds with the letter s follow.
8h10m26s
